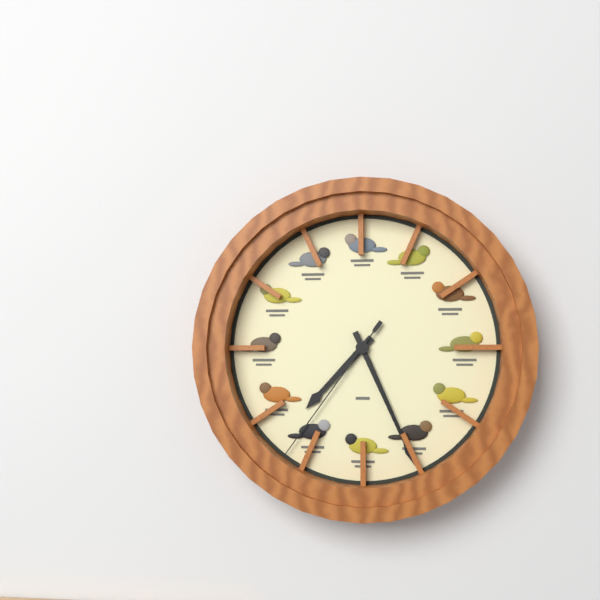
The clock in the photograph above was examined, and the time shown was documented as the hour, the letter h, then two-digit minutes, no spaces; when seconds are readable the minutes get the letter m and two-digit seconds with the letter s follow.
7h26m36s
